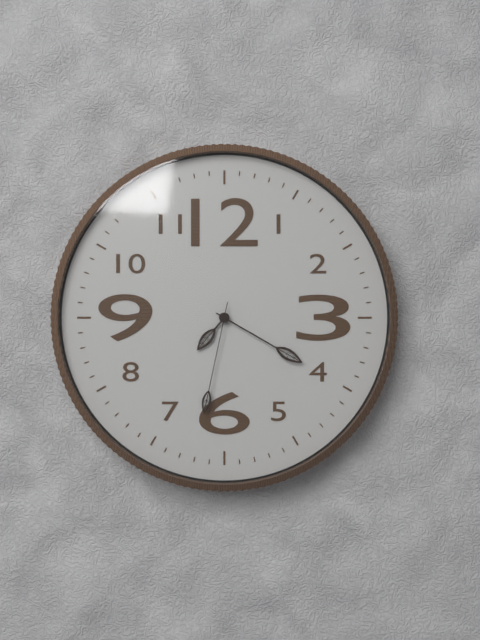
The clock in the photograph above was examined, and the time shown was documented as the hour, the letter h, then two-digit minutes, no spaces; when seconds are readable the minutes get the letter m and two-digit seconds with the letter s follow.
7h20m32s
